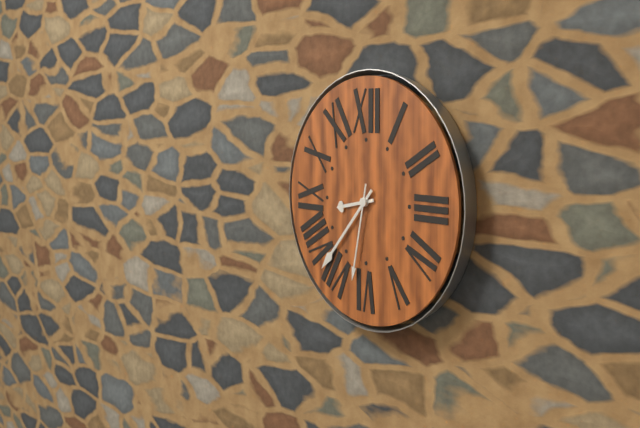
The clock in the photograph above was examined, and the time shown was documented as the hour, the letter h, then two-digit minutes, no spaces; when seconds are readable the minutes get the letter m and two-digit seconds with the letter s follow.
8h37m32s
